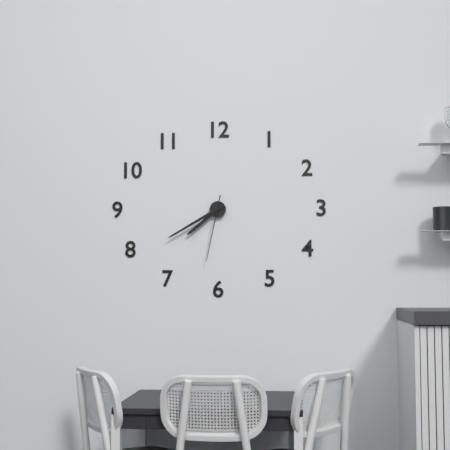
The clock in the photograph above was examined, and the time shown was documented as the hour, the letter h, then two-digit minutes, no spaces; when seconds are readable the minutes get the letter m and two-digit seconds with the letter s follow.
7h40m32s
